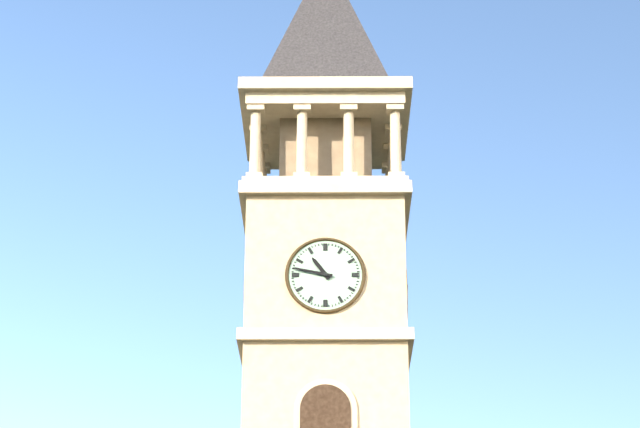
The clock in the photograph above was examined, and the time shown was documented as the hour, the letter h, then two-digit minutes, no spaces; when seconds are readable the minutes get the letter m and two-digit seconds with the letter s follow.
10h47
